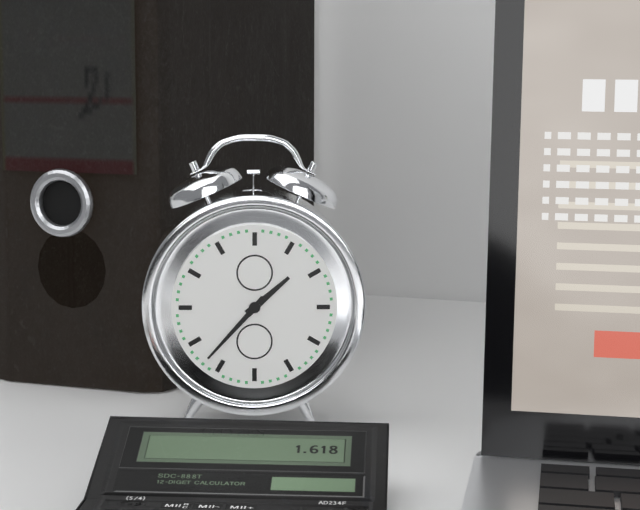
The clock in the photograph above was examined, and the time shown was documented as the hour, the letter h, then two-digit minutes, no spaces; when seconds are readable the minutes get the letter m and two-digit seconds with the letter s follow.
1h37
